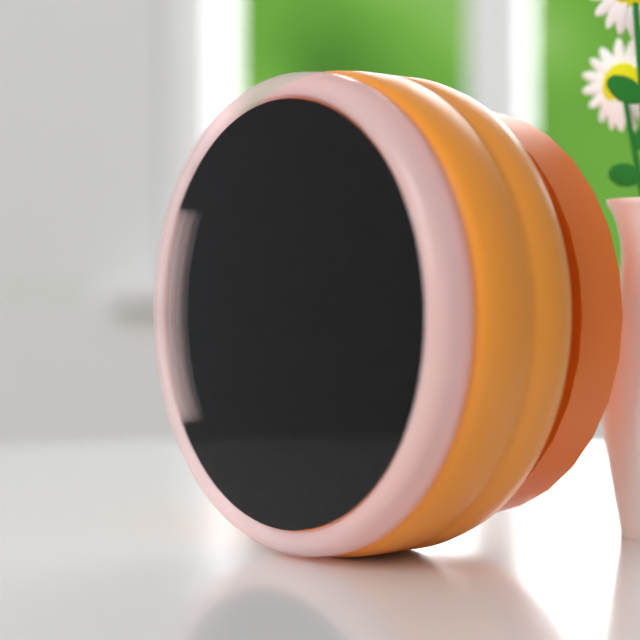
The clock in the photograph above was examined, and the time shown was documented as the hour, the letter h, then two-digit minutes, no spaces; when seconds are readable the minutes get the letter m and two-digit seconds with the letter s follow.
10h29m35s
